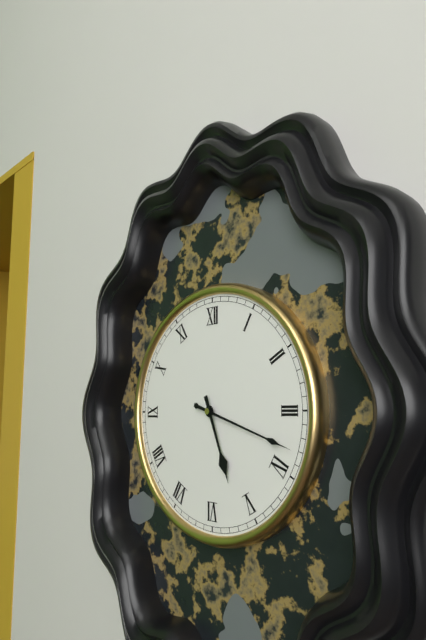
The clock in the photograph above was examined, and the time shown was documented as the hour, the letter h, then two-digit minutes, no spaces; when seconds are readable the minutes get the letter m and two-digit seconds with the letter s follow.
5h18
